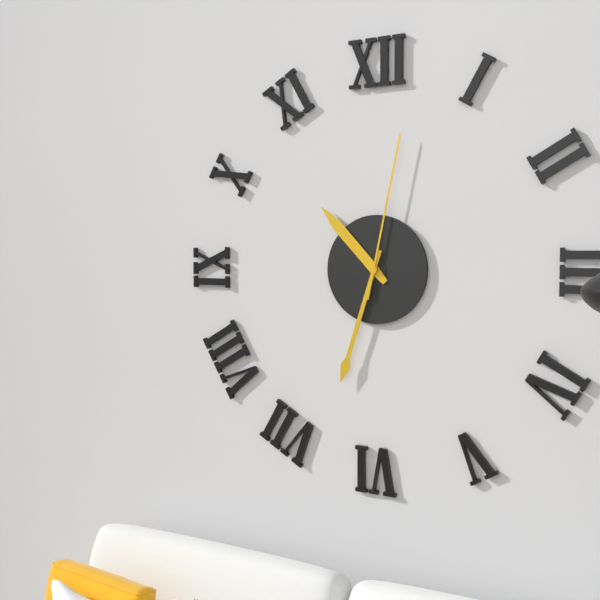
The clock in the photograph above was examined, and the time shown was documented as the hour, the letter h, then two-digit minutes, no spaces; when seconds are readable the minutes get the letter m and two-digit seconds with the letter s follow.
10h33m02s
